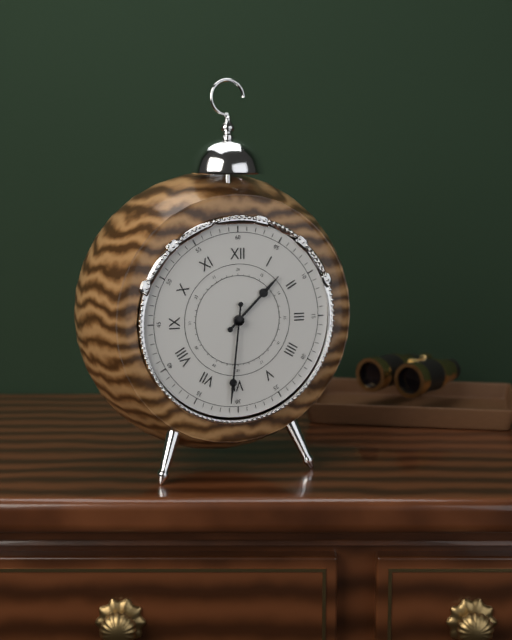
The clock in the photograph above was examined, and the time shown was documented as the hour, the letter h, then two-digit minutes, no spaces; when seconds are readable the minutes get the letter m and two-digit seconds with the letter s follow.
1h31
